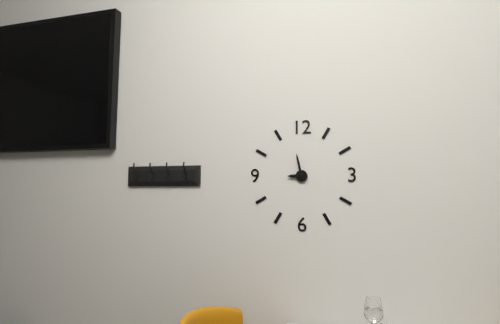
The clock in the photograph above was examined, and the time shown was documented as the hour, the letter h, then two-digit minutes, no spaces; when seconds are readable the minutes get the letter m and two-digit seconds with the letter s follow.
8h58
